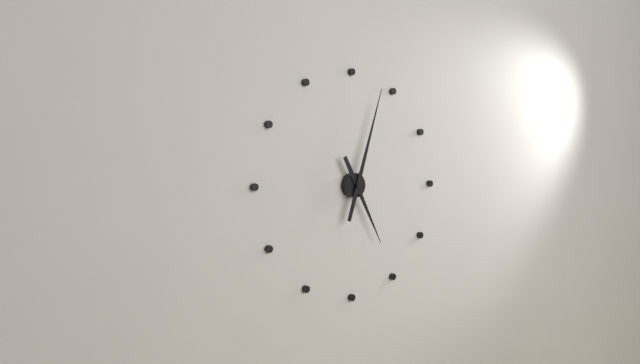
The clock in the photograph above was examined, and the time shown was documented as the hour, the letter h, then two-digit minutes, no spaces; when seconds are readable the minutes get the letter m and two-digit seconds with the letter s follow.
5h03
